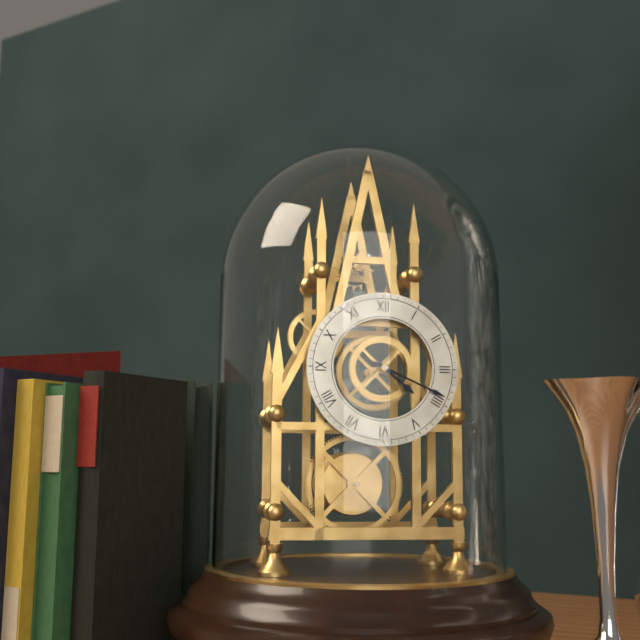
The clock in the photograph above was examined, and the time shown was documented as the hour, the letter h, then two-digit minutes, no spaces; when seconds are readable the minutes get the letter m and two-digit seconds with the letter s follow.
4h19
